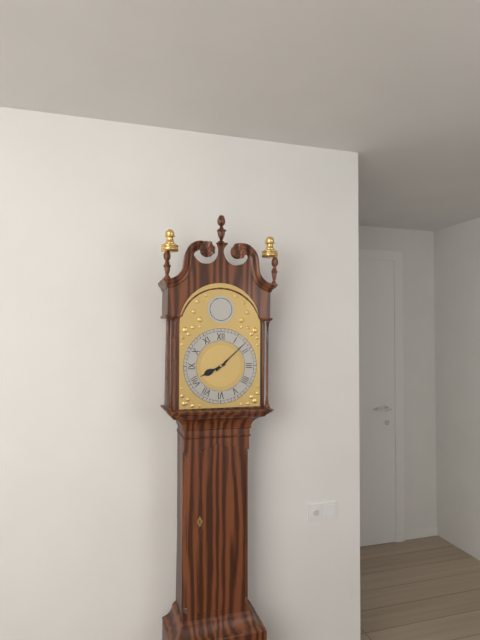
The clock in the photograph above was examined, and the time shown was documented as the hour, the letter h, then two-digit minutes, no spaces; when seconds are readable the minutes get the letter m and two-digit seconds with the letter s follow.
8h08
